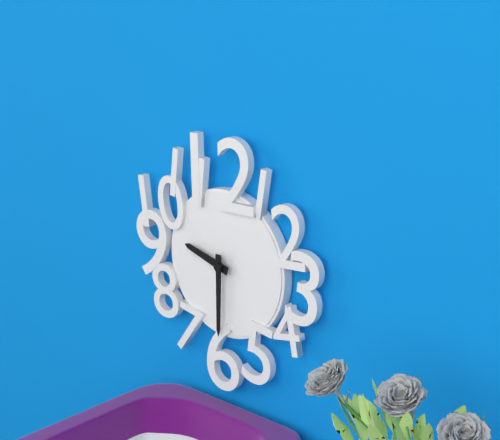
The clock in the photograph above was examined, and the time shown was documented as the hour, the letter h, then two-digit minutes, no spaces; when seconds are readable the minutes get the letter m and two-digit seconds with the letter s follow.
9h30
